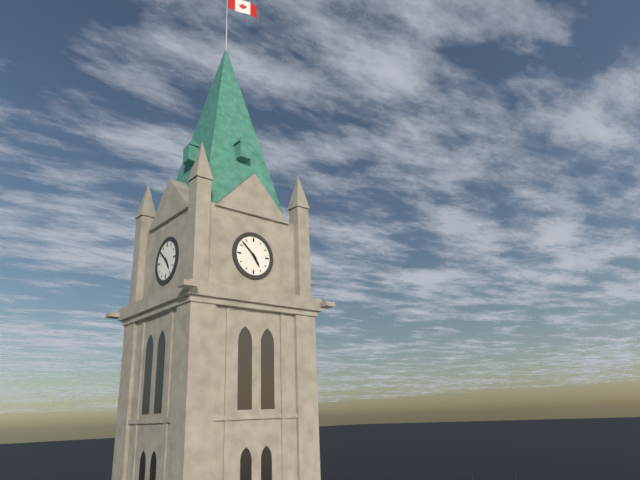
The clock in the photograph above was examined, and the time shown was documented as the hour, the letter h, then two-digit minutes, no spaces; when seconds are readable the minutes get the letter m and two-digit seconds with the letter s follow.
4h52
